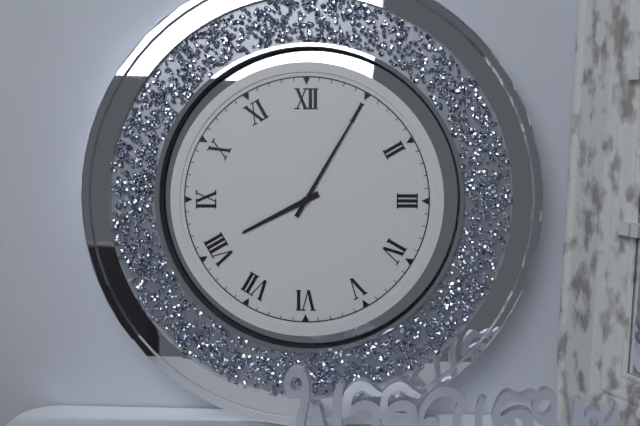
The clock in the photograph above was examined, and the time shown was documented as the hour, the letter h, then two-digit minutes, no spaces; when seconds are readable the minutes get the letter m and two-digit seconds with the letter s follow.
8h05
